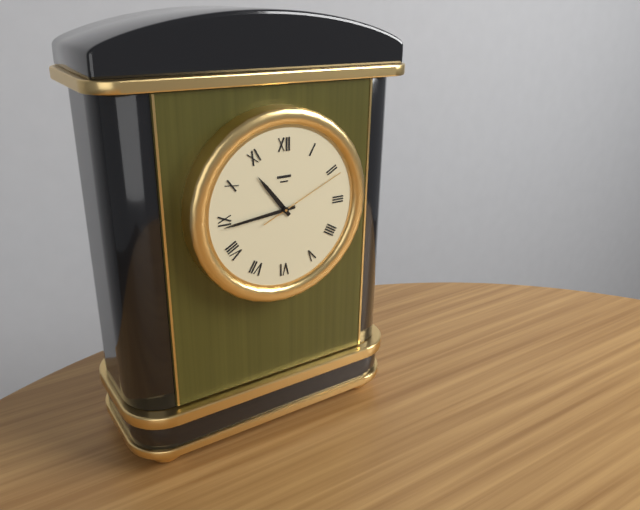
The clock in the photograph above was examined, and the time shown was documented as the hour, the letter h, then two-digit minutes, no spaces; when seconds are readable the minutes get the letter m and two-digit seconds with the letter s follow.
10h44m11s
